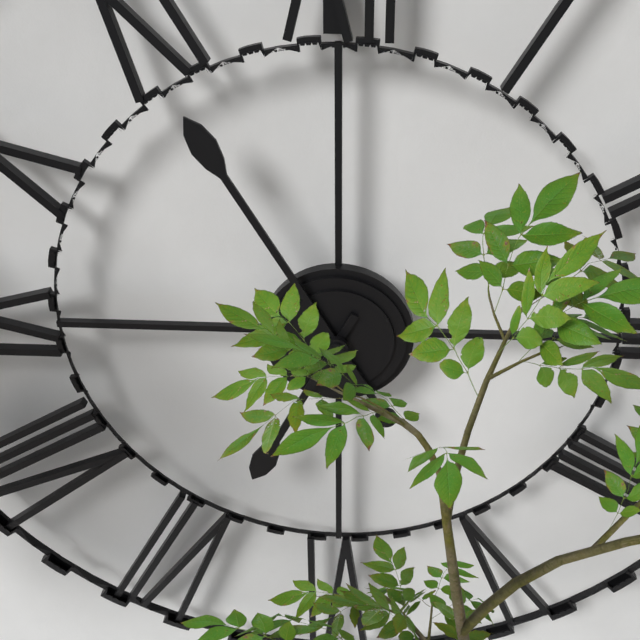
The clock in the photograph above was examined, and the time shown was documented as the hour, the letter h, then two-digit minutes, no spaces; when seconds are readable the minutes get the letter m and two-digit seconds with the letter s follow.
6h55
